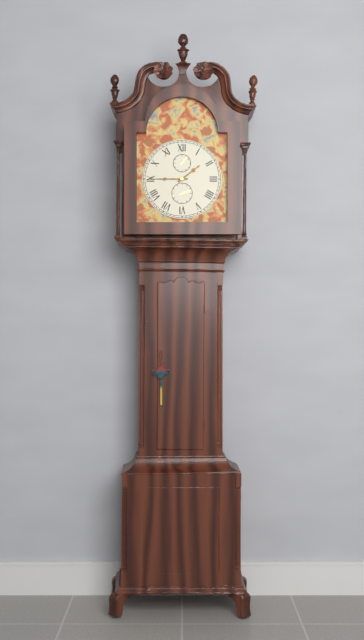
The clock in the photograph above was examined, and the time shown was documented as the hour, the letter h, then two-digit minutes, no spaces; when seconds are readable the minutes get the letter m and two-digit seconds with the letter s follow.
1h45
